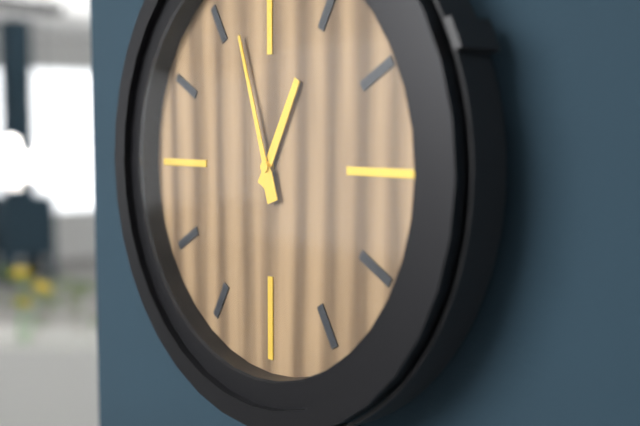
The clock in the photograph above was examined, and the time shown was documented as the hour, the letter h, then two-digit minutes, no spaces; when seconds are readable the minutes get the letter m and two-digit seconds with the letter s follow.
12h57
